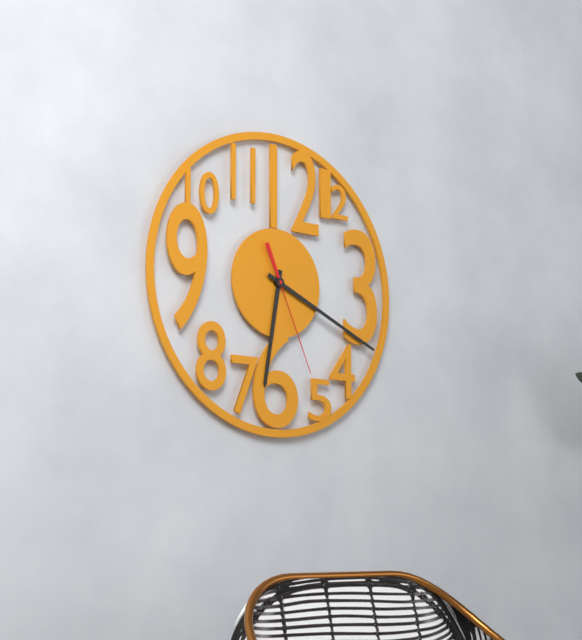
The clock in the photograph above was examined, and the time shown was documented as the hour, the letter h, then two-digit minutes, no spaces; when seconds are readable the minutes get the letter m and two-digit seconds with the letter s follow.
6h19m26s
